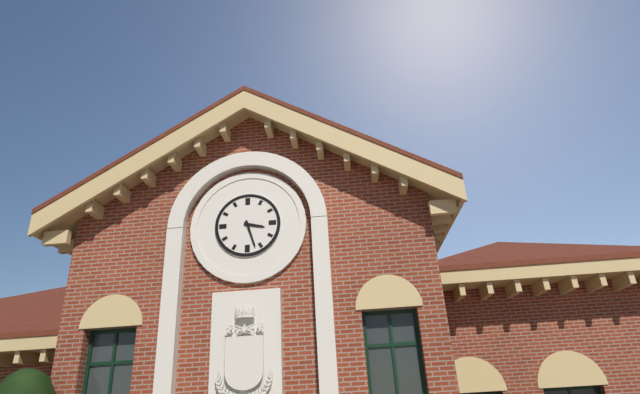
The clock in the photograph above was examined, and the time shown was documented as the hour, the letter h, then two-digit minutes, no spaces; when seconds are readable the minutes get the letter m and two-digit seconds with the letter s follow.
3h27
